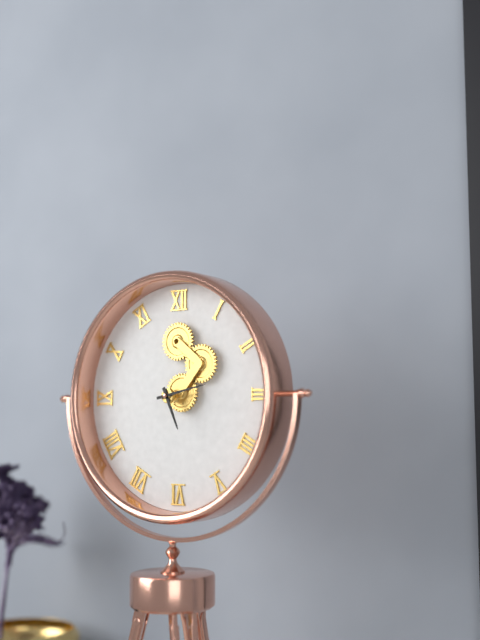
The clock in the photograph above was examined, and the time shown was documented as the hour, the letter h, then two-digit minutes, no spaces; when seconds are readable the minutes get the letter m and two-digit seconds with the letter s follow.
5h13
